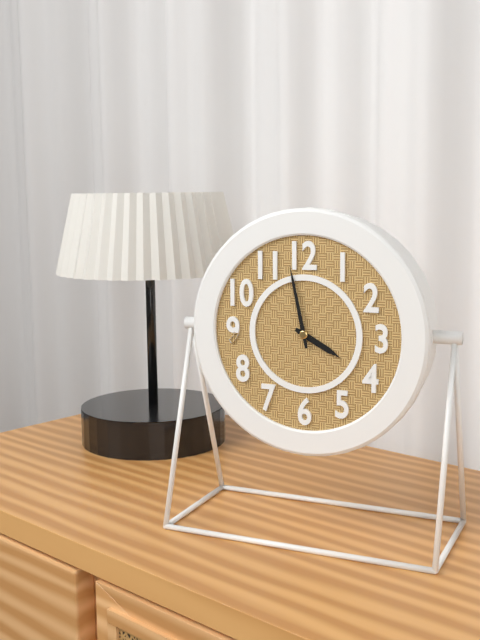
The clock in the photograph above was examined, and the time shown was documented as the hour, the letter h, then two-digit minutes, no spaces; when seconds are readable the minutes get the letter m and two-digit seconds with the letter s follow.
3h58
